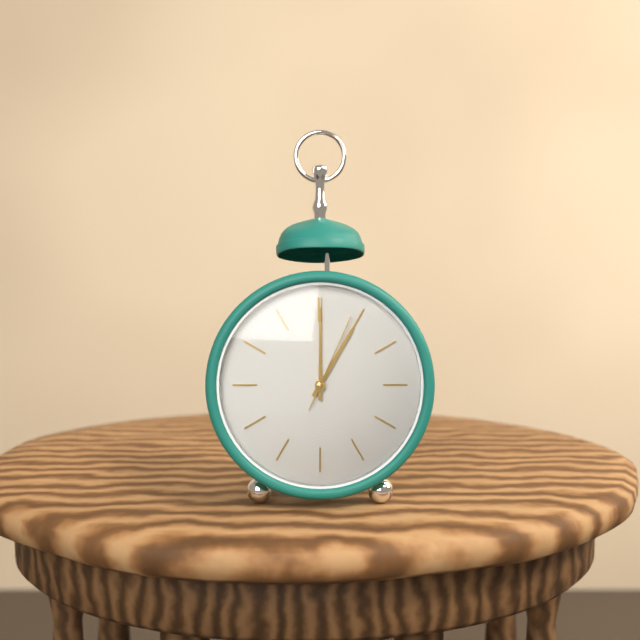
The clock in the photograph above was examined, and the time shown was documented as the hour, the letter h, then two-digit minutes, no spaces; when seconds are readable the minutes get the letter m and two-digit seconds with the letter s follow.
1h00m04s
